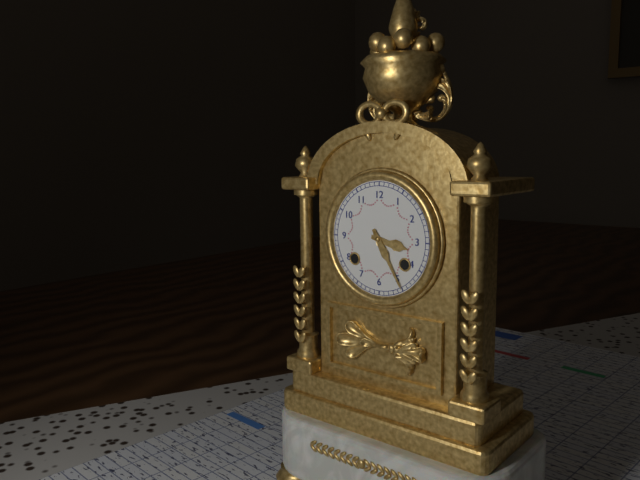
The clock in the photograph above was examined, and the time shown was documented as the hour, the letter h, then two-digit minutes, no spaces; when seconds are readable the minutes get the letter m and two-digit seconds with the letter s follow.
3h25
